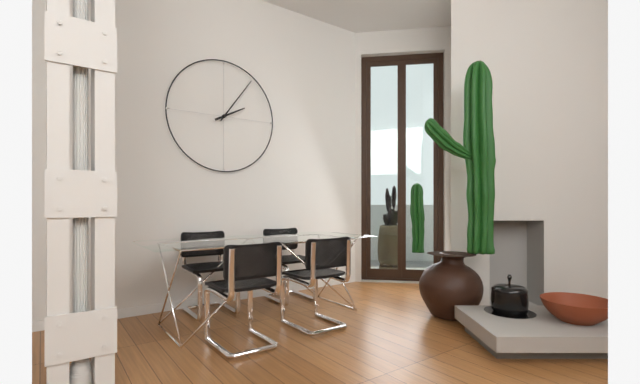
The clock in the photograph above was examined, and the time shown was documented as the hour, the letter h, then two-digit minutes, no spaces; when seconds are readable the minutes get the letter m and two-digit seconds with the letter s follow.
2h06
